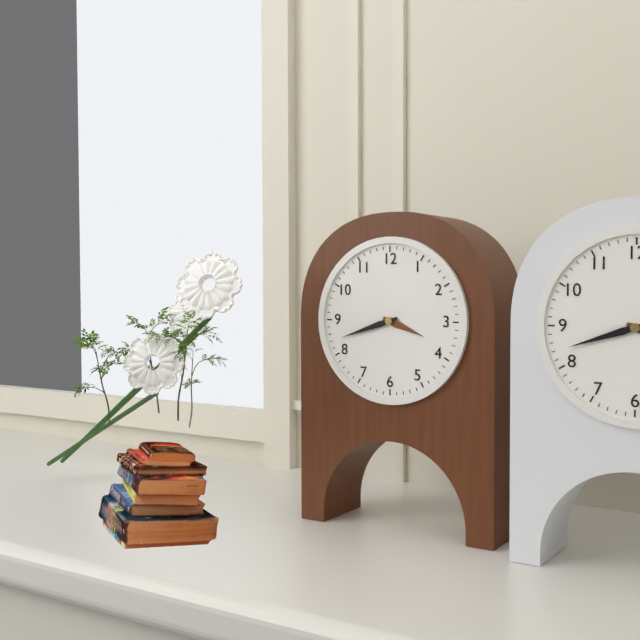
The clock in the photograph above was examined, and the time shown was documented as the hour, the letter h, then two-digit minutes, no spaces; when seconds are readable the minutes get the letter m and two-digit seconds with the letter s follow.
3h42
